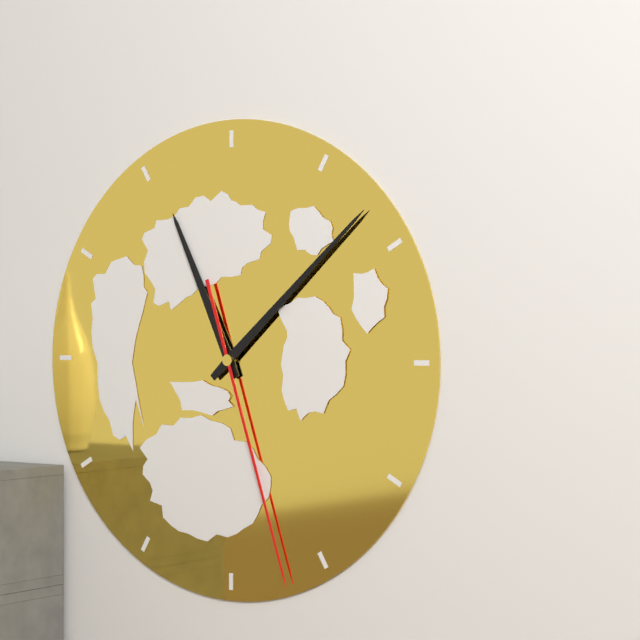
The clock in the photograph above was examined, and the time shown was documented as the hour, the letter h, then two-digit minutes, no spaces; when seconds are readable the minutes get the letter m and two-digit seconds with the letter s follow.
11h08m27s
